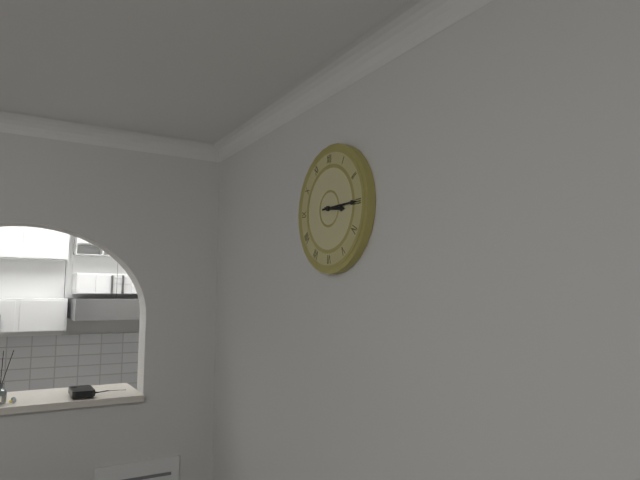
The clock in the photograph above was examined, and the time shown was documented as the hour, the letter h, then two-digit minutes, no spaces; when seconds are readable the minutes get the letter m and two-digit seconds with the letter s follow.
3h15
